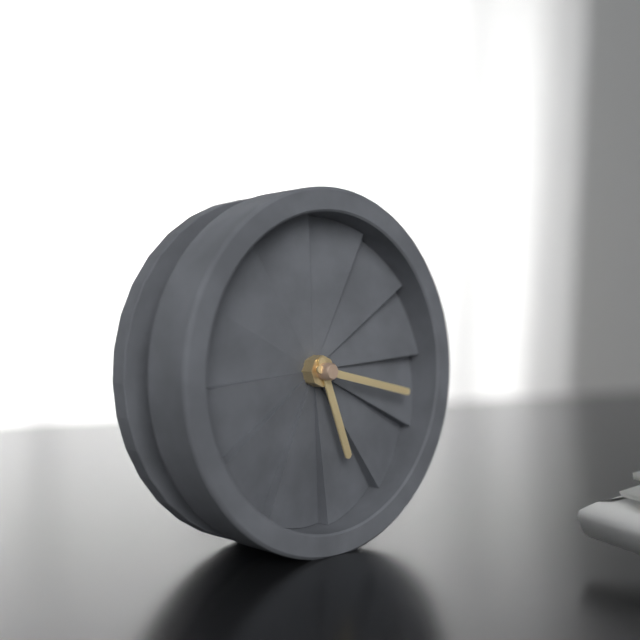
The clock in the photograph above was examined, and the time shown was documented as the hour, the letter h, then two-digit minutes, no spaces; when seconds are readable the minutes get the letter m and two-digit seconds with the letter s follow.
5h17
